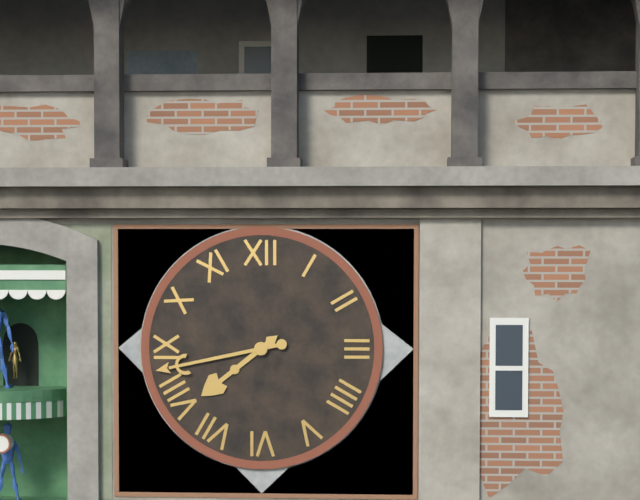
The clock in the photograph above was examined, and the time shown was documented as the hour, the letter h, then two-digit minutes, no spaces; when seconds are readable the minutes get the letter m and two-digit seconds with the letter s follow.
7h43
